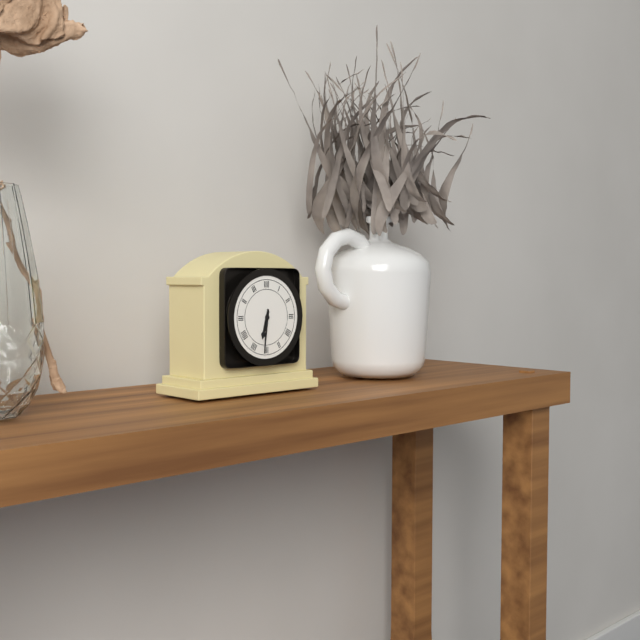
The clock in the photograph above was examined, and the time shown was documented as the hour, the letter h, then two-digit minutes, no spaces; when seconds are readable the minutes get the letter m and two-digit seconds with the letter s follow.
6h31
